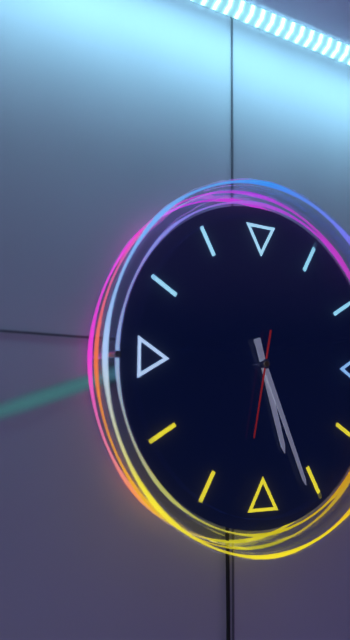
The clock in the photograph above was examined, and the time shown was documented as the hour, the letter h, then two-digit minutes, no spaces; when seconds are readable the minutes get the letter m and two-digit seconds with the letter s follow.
5h26m32s
